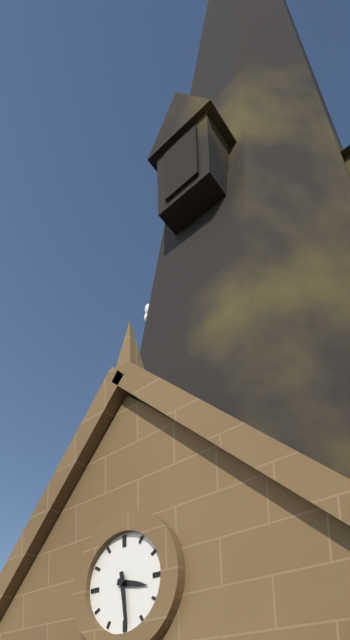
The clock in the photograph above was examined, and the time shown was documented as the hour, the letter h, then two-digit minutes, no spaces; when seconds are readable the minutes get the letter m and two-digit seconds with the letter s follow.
3h29
